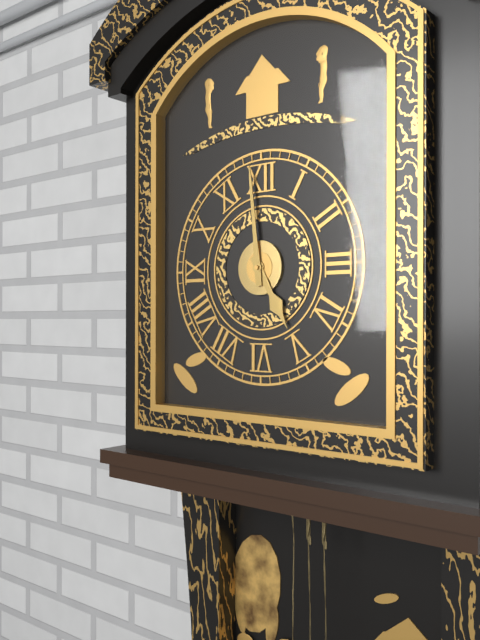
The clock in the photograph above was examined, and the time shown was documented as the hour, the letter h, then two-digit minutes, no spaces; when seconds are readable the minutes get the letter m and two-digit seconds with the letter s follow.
4h59
